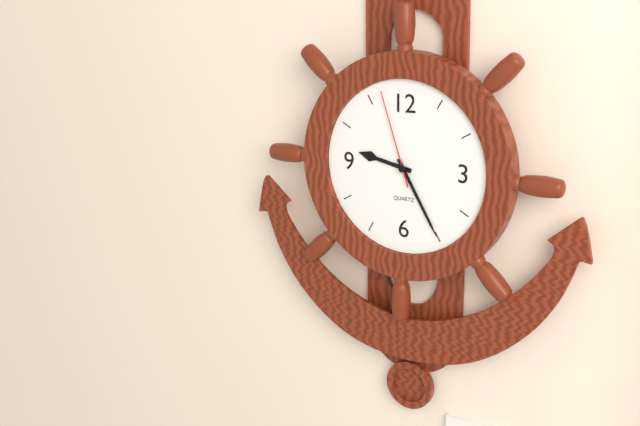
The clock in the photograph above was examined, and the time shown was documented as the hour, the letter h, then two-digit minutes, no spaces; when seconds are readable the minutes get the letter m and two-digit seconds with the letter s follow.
9h25m57s
